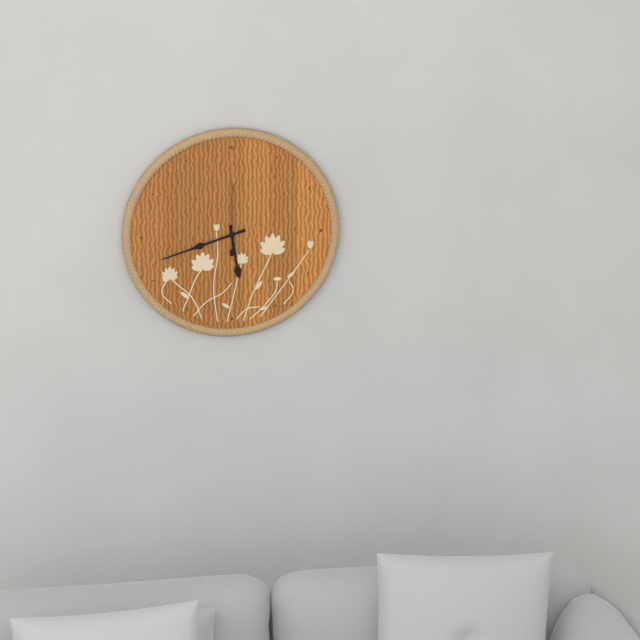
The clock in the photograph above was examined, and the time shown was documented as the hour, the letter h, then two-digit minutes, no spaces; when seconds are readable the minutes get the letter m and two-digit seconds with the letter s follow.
5h42m00s
